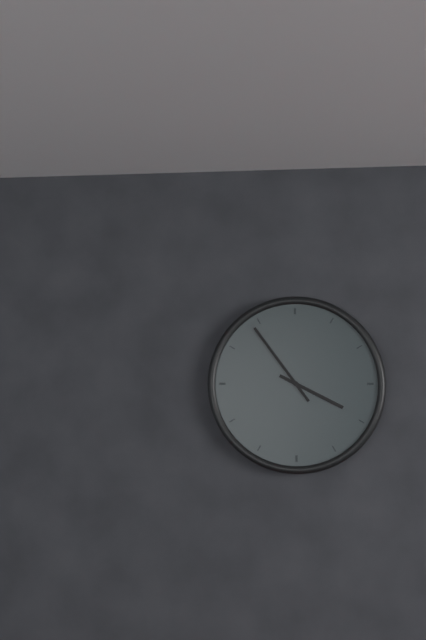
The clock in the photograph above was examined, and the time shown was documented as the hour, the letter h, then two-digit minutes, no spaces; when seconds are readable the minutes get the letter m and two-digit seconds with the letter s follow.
3h54
